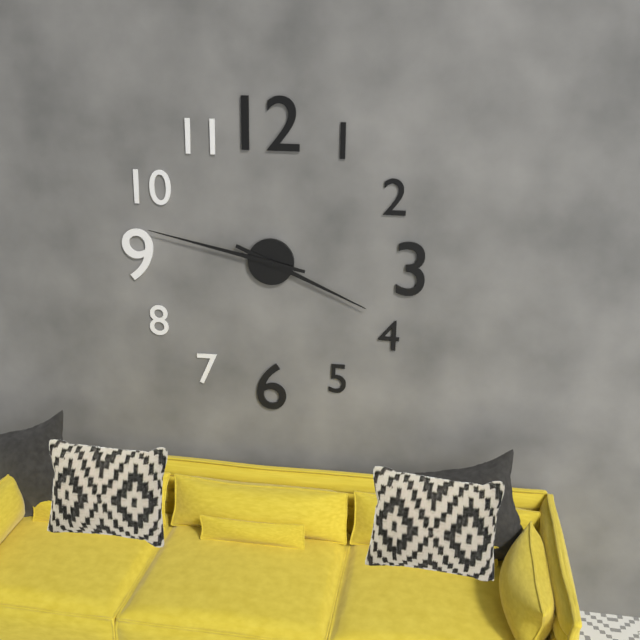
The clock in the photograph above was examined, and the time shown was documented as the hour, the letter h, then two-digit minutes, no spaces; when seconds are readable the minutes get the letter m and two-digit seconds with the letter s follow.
3h47
